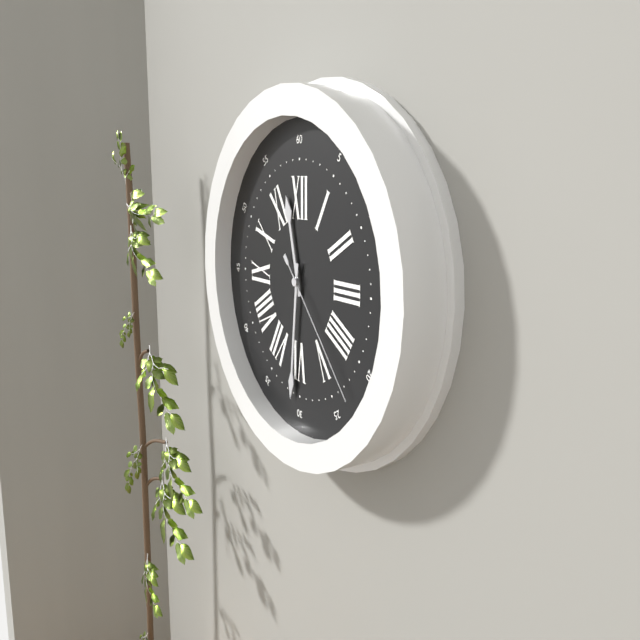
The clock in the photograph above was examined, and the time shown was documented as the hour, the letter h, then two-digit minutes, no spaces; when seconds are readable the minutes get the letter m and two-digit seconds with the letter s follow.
11h31m23s
